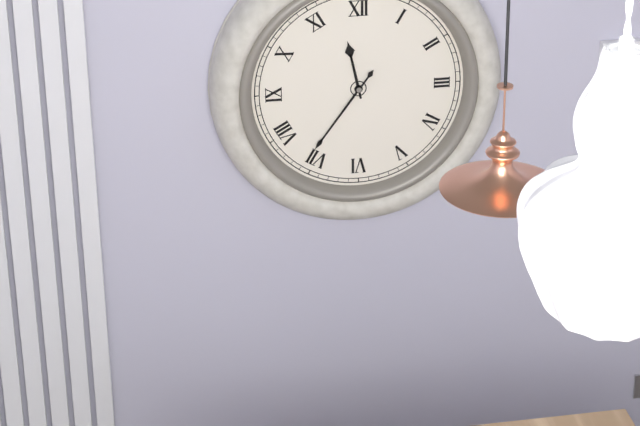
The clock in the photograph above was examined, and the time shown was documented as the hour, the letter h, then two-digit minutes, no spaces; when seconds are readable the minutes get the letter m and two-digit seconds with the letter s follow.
11h36
